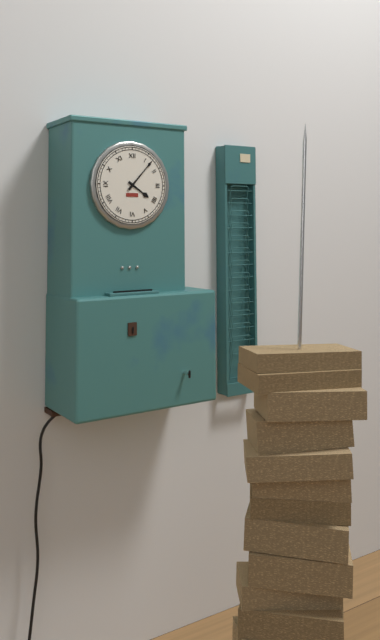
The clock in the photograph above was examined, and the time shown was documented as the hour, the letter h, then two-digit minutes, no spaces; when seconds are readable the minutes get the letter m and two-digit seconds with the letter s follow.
4h07
